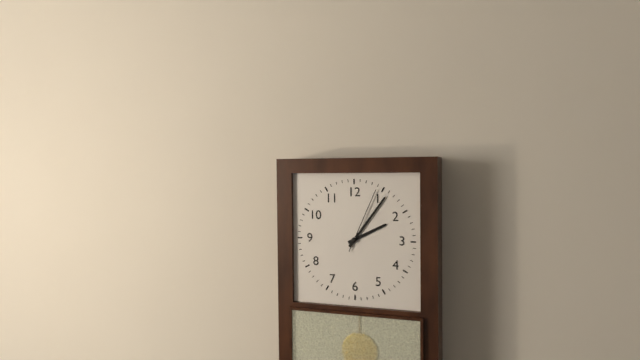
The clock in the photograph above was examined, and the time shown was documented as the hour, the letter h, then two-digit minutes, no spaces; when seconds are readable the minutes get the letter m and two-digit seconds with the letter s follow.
2h06m04s
